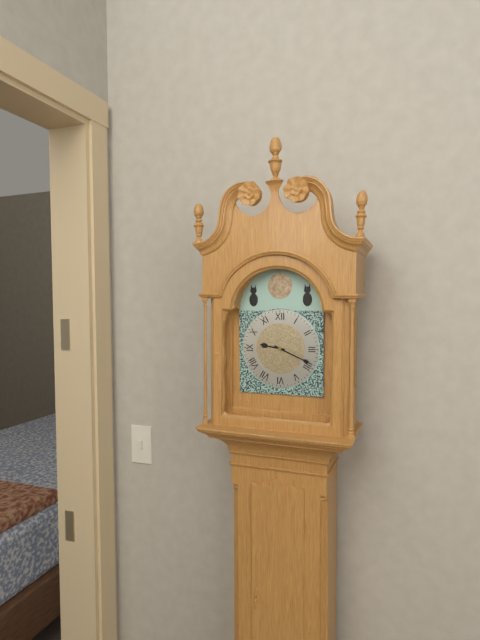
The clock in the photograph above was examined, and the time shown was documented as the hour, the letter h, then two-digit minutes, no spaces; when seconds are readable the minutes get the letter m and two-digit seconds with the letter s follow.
9h19
